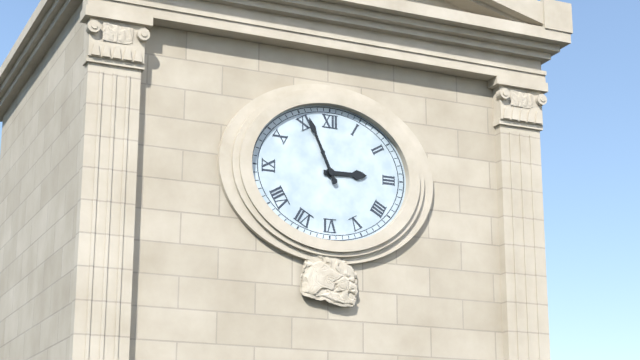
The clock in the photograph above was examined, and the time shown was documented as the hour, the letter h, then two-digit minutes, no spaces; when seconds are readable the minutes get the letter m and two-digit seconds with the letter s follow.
2h56
